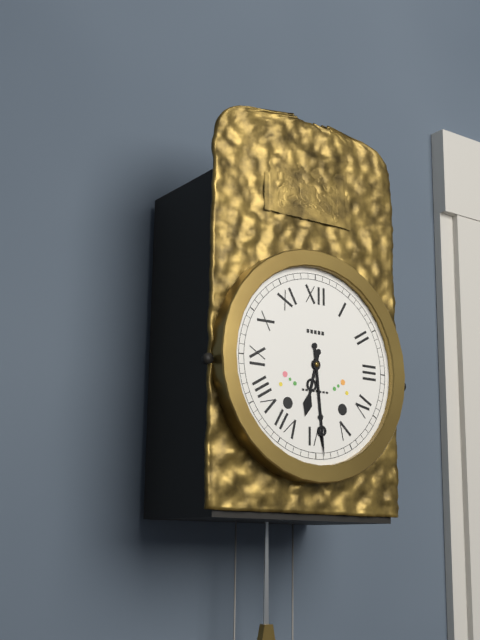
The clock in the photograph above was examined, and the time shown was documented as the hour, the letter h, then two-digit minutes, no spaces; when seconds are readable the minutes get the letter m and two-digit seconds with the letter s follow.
6h29
